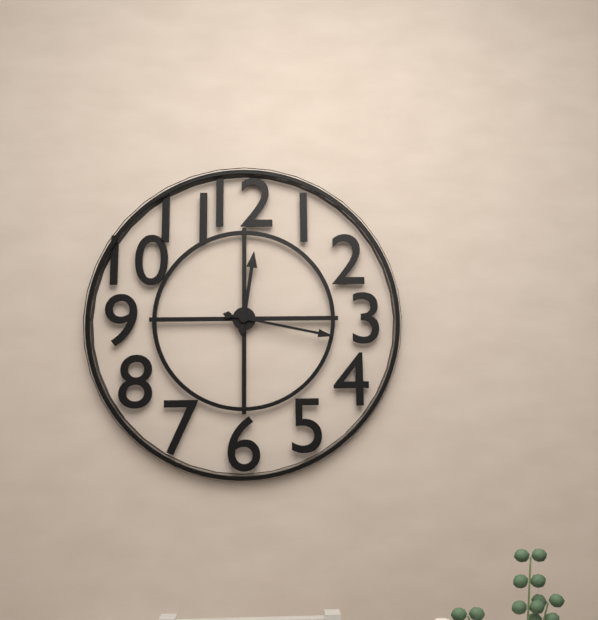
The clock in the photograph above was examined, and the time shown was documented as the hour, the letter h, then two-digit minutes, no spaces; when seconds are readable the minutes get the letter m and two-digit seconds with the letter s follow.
12h17
